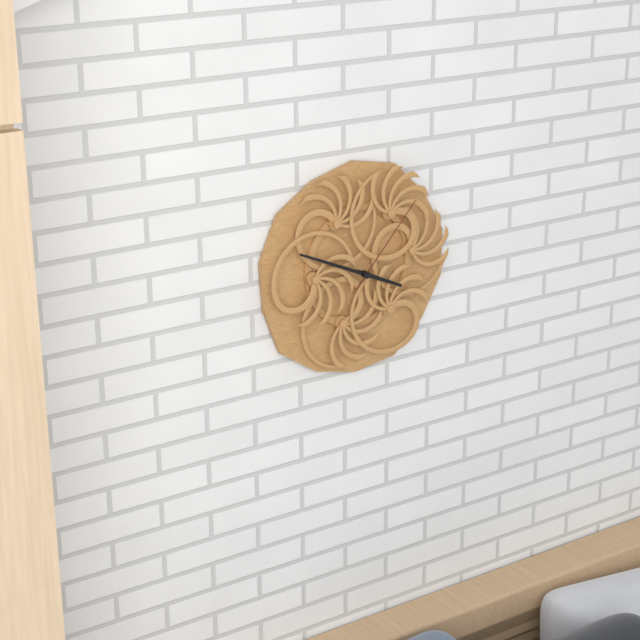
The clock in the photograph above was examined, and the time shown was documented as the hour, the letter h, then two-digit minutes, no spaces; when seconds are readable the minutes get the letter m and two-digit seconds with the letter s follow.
3h49m07s
